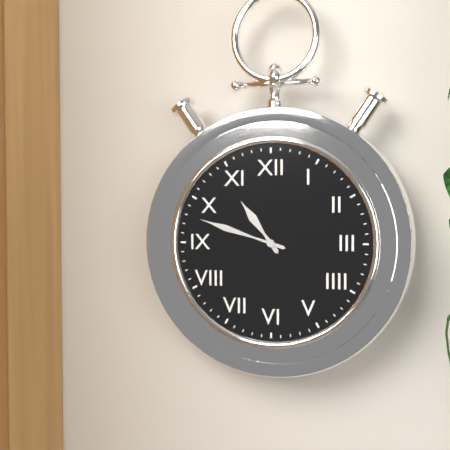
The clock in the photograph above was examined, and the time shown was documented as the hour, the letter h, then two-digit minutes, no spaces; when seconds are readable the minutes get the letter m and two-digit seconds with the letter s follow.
10h48
